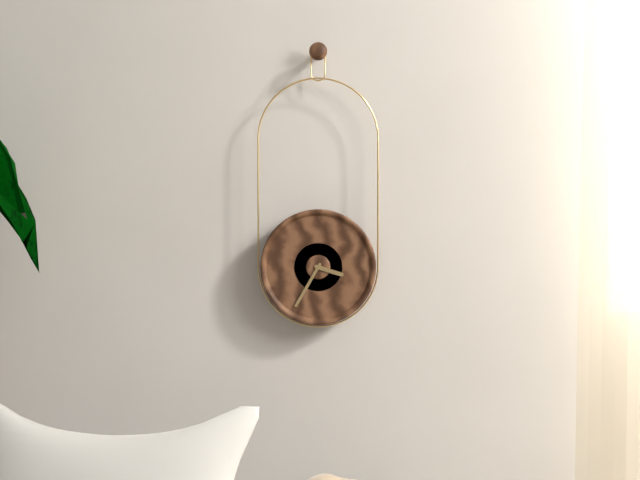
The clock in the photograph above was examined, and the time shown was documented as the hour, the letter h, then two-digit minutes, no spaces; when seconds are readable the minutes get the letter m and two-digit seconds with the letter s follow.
3h35
